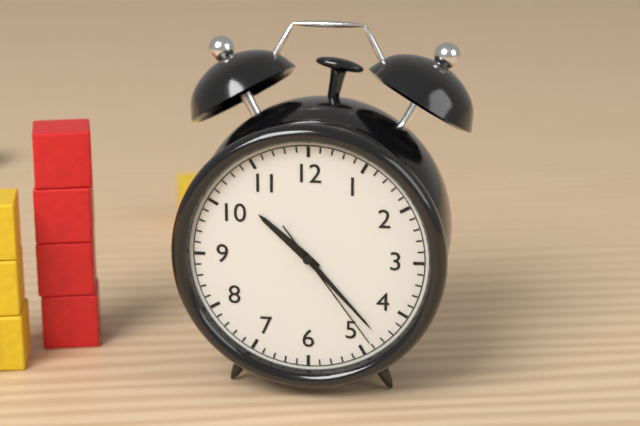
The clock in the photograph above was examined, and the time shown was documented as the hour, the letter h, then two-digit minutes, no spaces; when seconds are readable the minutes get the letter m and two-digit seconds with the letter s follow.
10h23m24s
